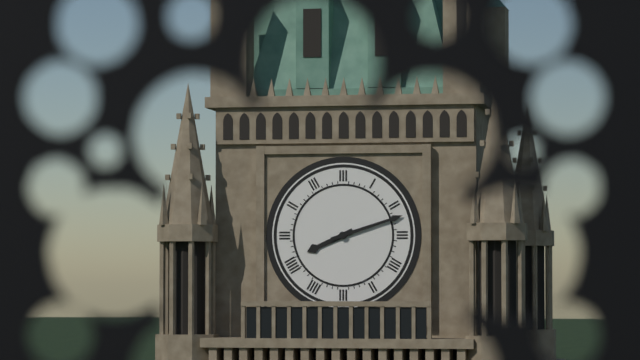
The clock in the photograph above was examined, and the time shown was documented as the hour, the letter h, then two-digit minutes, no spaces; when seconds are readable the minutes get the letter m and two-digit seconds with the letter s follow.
8h12
